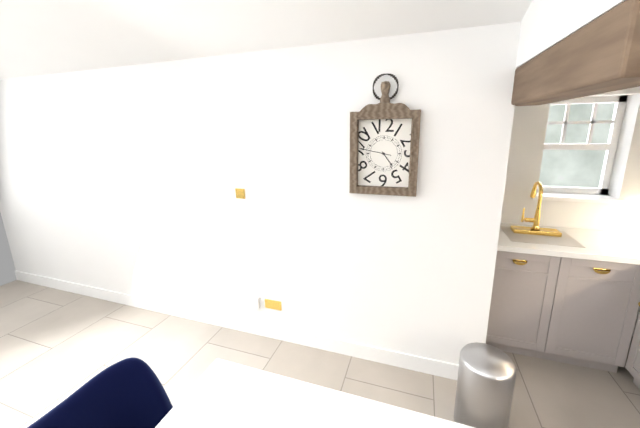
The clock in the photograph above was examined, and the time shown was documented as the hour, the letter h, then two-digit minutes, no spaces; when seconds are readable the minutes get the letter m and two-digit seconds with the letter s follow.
4h47
